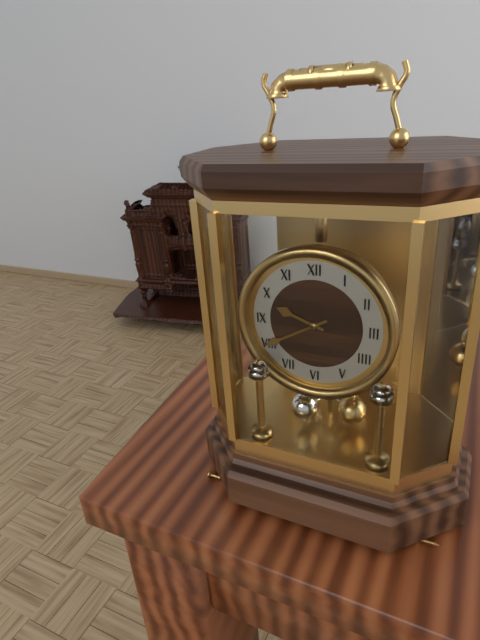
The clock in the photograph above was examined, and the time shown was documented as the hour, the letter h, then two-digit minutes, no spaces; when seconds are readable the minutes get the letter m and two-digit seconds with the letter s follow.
9h40
